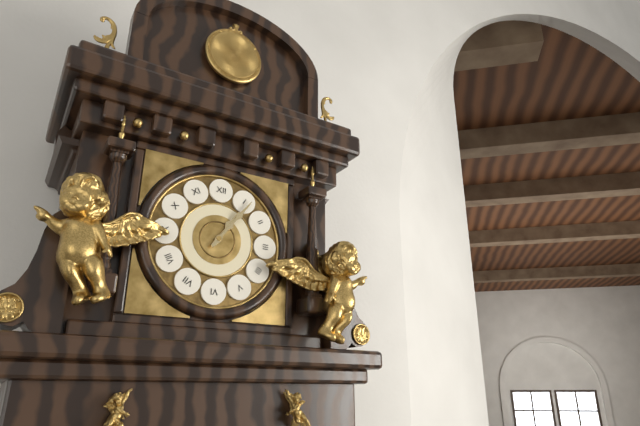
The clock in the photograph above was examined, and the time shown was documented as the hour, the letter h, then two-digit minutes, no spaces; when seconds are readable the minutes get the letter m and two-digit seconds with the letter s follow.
1h06
